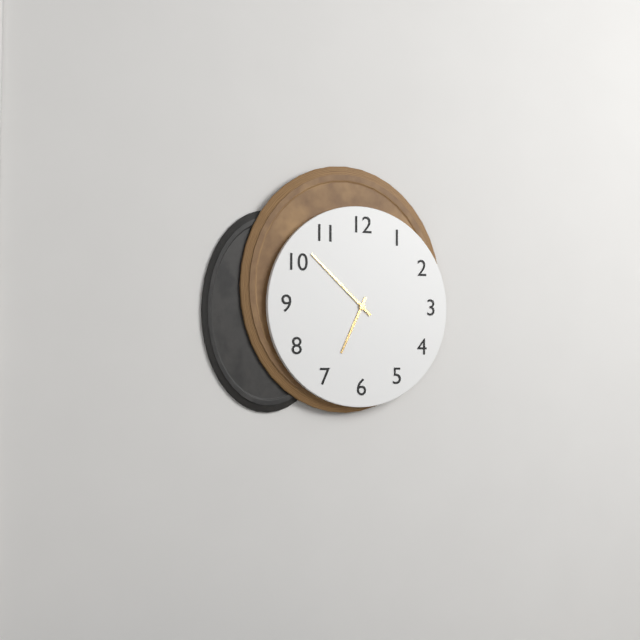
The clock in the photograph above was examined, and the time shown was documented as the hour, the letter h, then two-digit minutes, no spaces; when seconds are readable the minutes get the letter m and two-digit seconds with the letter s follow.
6h52
